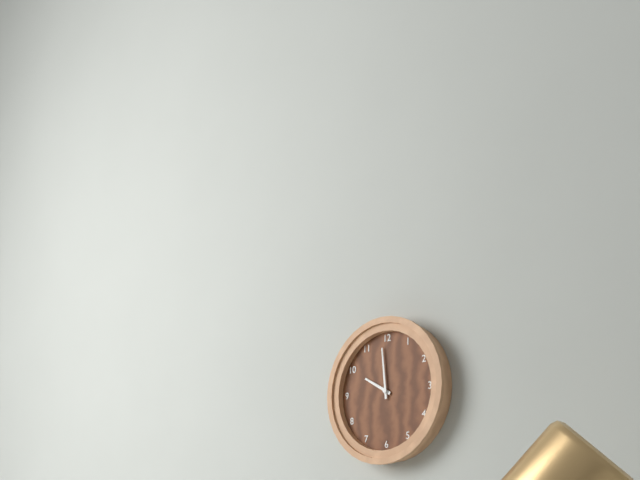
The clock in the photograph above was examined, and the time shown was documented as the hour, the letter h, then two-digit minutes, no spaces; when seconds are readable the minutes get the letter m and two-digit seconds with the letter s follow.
9h59
